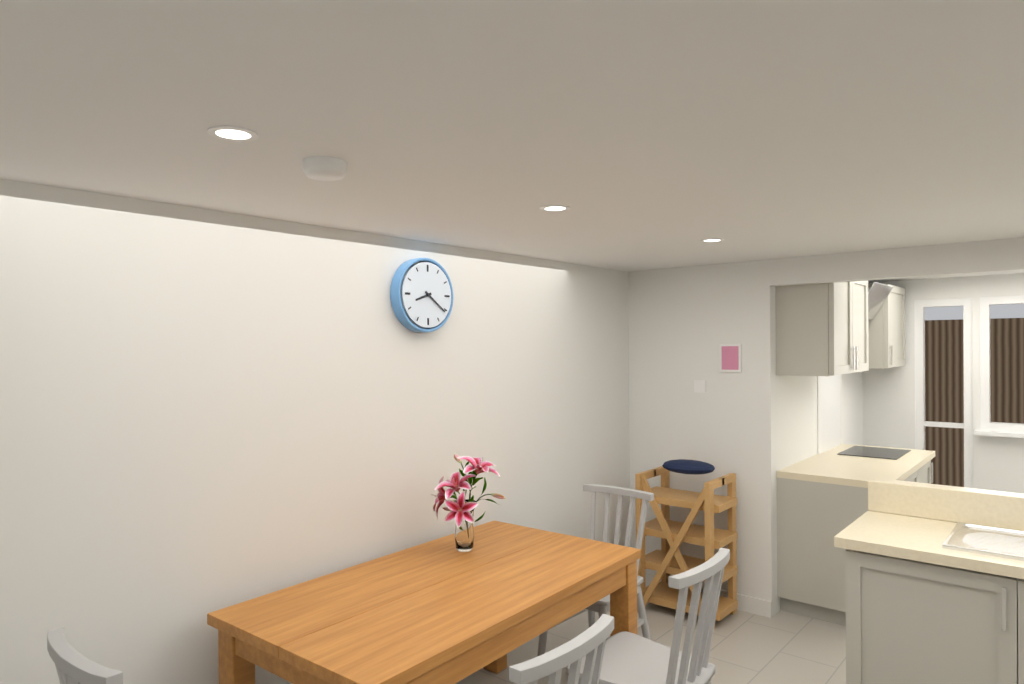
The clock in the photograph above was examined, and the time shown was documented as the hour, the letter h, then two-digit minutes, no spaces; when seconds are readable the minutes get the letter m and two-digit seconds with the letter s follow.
8h21
